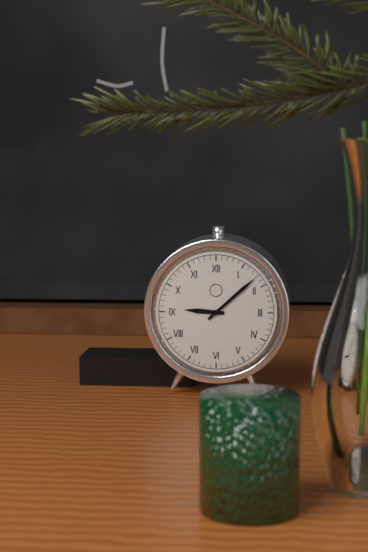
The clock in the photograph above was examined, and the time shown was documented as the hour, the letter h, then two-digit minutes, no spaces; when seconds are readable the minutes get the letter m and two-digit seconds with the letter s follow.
9h08
